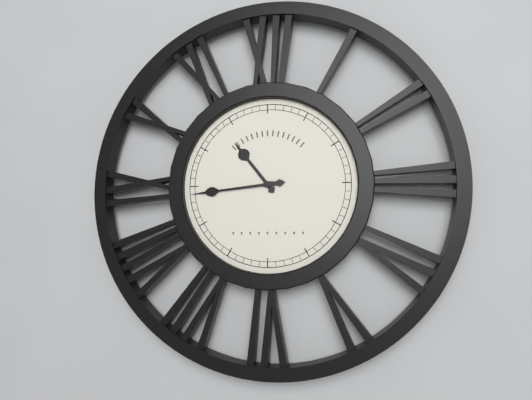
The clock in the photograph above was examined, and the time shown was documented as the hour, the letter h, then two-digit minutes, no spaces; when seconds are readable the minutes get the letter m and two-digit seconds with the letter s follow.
10h44
